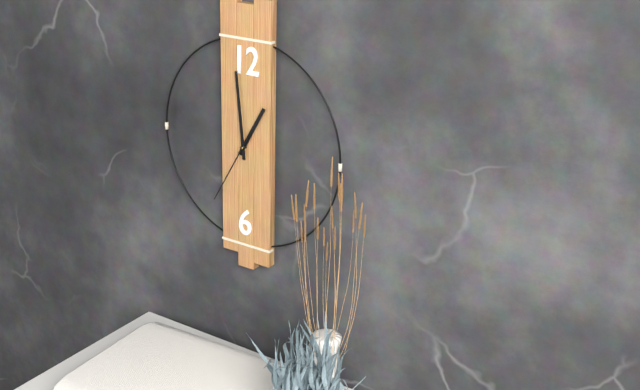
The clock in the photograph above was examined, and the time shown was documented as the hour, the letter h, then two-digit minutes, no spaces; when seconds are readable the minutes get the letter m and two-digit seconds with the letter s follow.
12h59m35s
